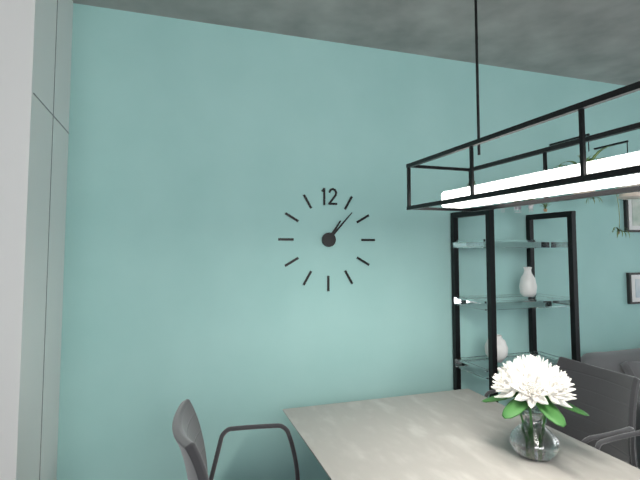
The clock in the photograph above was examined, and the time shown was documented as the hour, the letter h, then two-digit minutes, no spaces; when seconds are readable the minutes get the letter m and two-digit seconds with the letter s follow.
1h07
